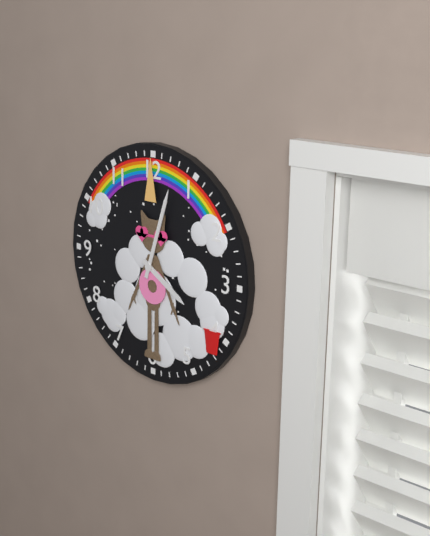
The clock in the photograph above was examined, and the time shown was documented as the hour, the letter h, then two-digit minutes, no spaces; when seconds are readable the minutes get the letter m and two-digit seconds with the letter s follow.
4h03
